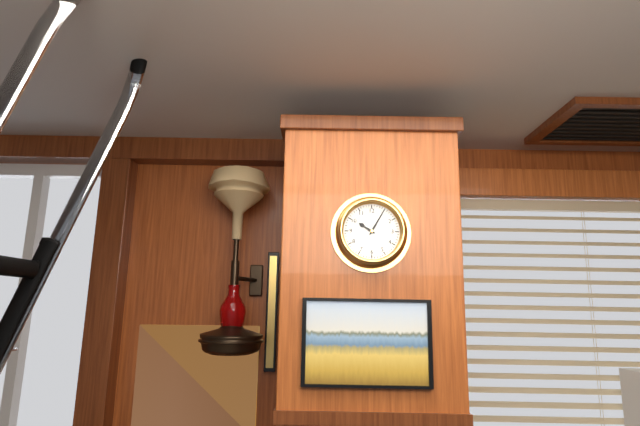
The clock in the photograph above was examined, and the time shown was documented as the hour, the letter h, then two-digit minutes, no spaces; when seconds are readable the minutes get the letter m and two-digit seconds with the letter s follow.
10h05
